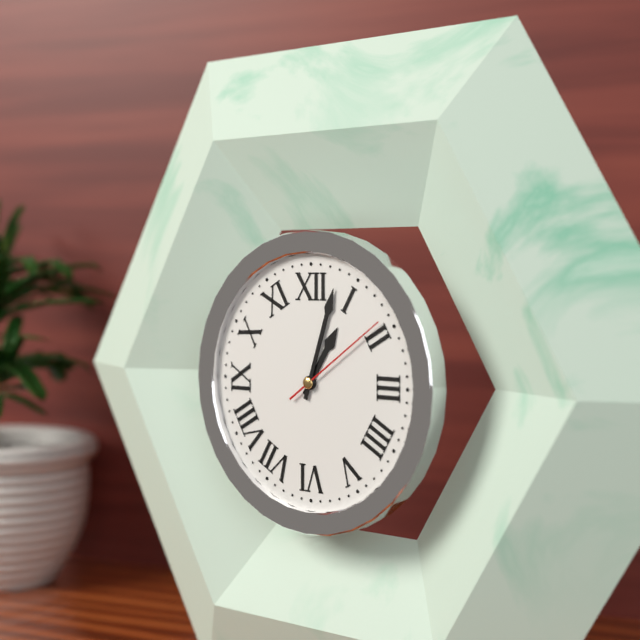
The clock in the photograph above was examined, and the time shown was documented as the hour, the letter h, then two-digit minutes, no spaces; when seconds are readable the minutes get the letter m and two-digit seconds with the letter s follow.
1h03m09s
